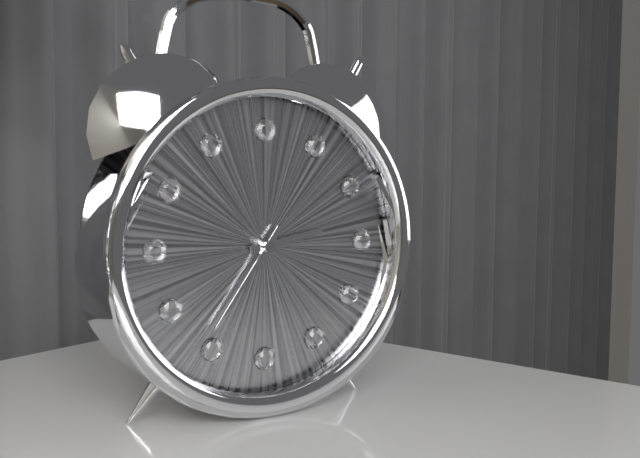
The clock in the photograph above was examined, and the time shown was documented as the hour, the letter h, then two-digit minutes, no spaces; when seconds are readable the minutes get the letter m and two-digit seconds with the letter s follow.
2h36m52s
